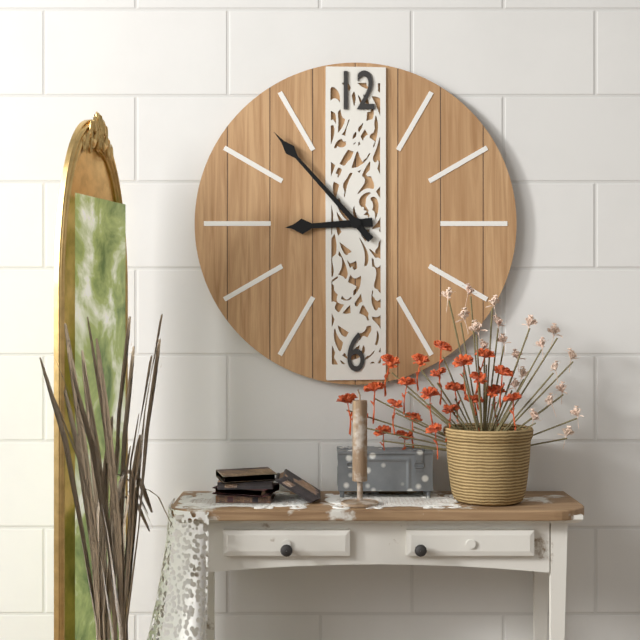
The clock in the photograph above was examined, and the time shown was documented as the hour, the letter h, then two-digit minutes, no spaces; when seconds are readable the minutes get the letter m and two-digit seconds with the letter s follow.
8h53
